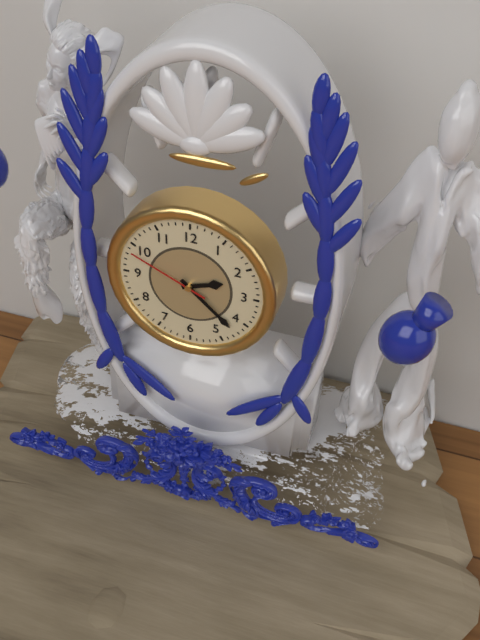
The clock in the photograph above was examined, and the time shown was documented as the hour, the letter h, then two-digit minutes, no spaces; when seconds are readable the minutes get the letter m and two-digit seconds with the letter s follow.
2h22m49s
